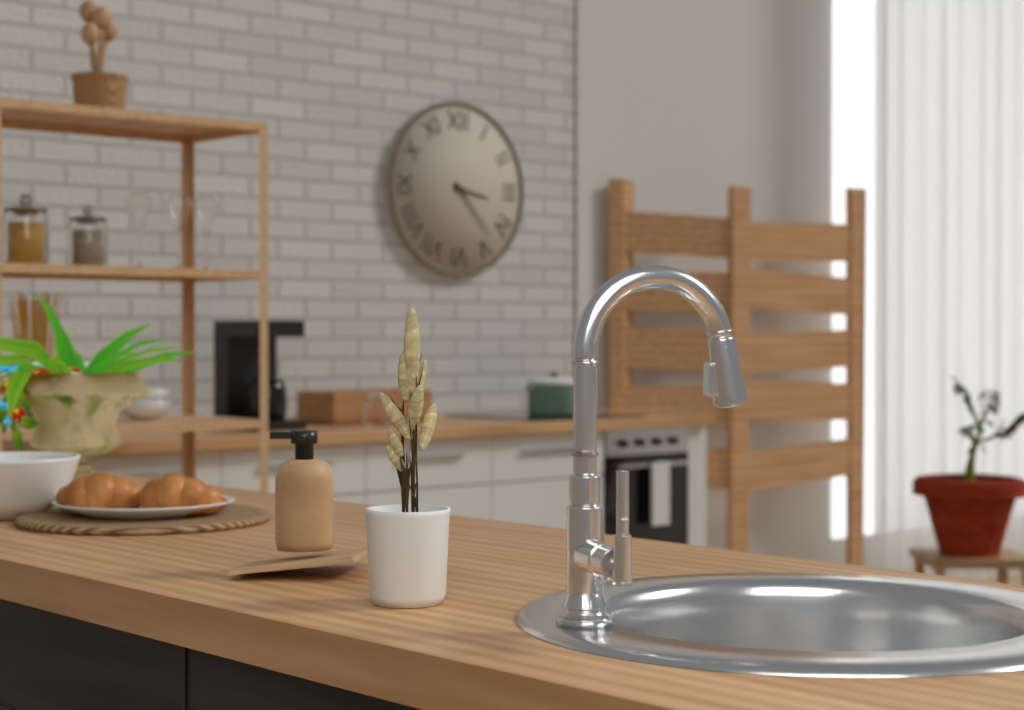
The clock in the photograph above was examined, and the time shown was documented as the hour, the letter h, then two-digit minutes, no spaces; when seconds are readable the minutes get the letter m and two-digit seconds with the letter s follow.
3h23
